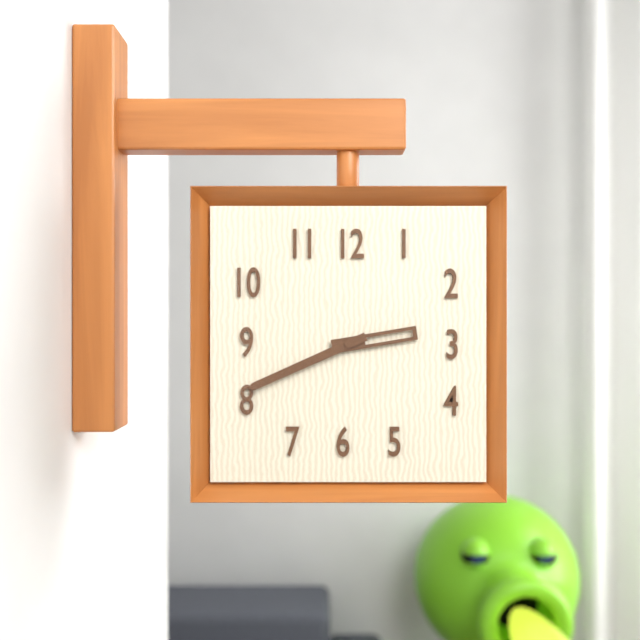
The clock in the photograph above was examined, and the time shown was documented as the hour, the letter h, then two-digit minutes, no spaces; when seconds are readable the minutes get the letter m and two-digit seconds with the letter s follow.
2h41
